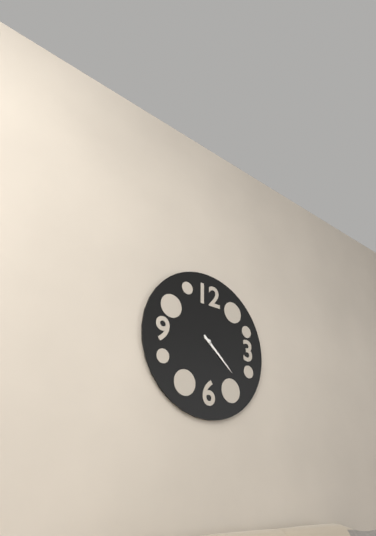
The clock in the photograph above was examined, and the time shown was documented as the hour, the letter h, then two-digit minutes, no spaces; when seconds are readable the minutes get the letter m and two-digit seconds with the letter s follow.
4h22
